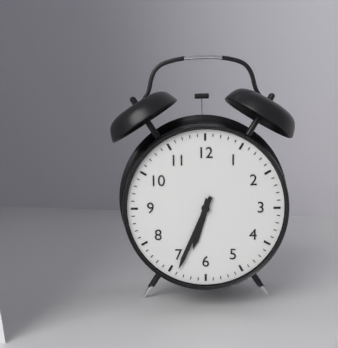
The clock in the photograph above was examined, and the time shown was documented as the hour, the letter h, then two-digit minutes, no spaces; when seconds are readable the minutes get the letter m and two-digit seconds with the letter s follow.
6h34
